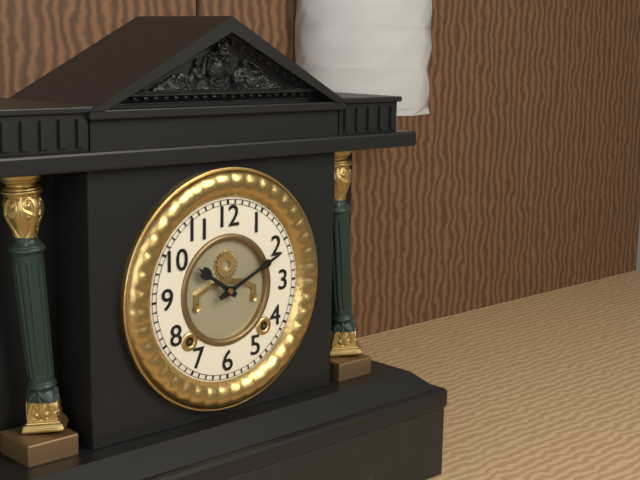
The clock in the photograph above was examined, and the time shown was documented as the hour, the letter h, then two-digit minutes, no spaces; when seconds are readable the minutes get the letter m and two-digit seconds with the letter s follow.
10h11
